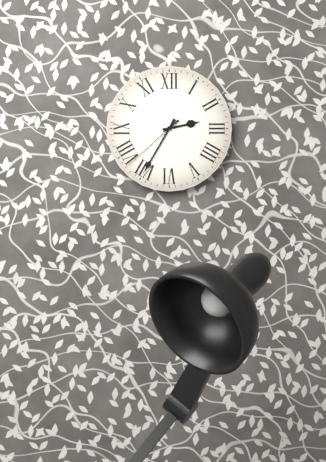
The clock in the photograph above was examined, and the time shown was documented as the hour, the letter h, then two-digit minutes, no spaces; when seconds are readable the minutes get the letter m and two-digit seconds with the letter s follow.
2h35m38s
